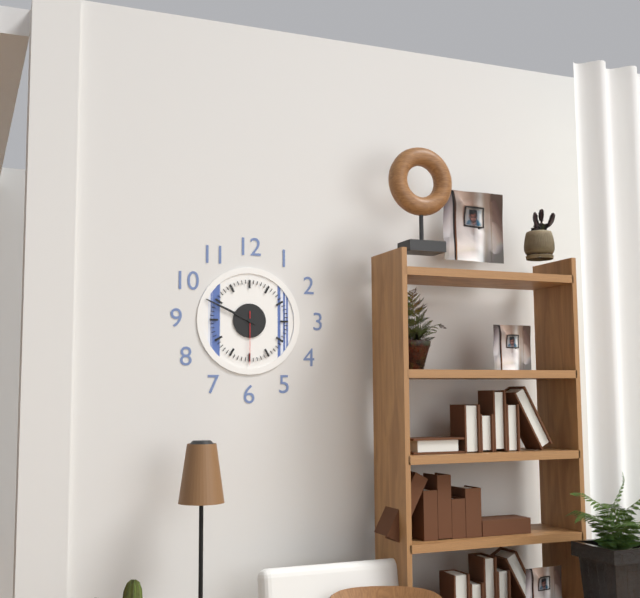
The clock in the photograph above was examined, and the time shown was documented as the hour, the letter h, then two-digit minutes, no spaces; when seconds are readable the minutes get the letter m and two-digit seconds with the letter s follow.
9h49m30s
